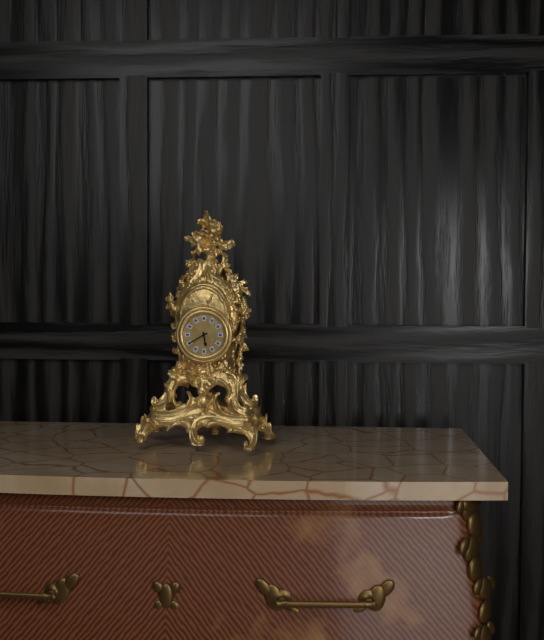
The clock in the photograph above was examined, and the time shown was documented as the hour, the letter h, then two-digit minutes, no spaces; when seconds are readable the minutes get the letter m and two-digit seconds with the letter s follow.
5h40
